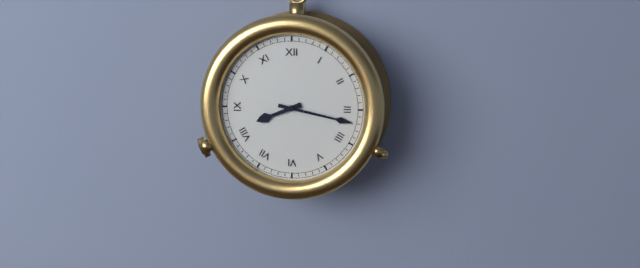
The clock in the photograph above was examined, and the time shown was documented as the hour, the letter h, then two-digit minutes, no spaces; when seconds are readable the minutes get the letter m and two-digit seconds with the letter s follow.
8h17
